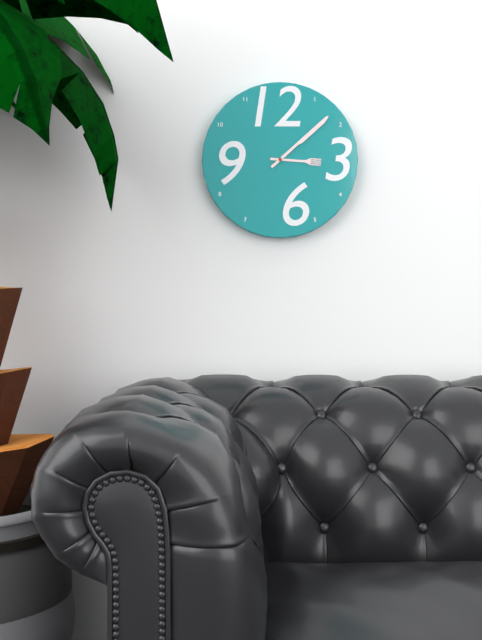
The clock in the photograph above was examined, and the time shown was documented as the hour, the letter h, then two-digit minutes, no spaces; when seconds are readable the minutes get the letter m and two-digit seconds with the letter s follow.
3h08
